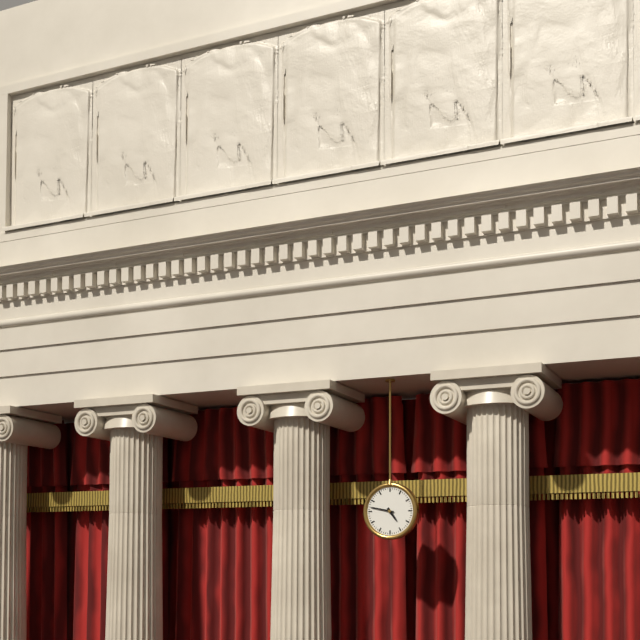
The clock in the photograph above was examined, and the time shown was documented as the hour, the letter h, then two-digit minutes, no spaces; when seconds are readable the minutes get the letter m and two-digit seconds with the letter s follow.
4h47
